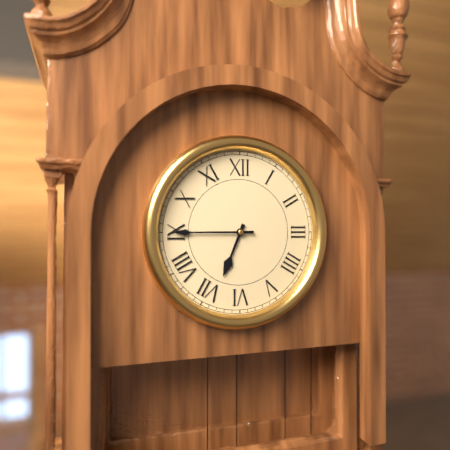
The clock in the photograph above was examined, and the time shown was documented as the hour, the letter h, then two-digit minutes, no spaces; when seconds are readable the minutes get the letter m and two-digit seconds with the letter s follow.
6h45
